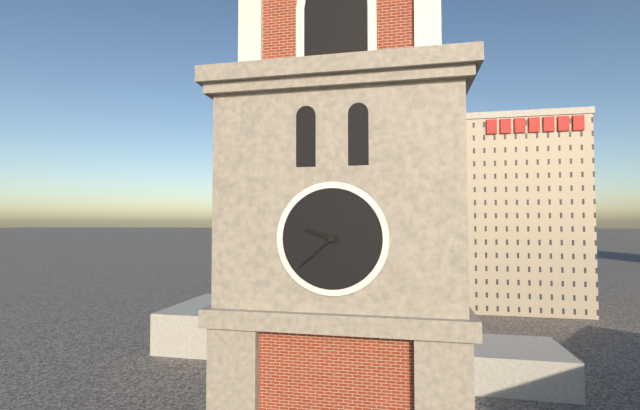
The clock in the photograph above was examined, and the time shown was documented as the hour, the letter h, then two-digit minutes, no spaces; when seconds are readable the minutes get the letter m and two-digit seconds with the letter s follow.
9h38
